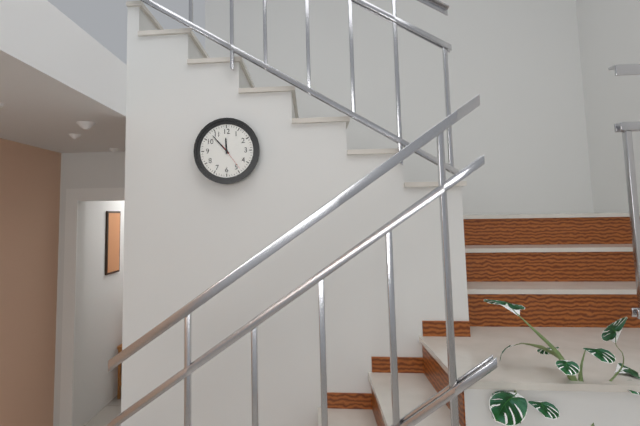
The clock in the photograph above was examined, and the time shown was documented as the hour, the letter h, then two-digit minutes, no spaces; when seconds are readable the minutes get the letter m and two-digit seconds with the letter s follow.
11h53
